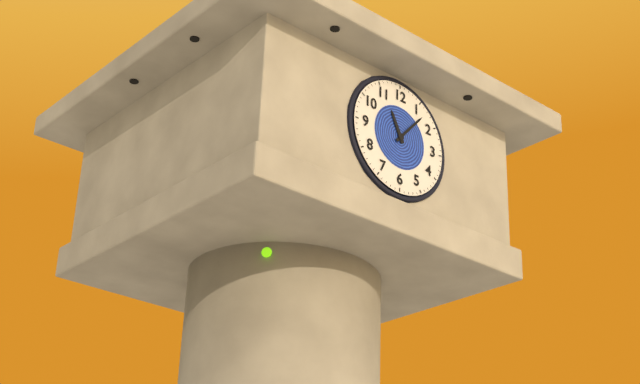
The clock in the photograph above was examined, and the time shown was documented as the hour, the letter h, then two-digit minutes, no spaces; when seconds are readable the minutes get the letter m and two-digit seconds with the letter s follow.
11h07
